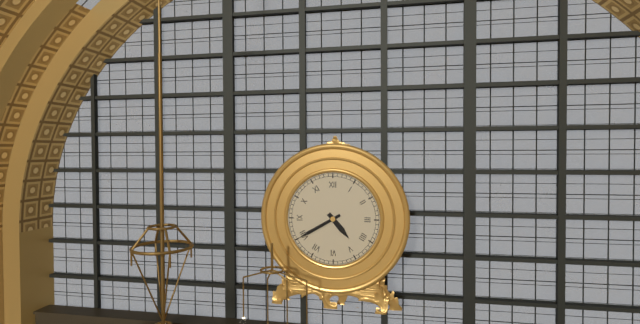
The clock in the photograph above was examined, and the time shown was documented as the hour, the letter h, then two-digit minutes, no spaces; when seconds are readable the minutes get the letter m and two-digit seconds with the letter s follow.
4h40
